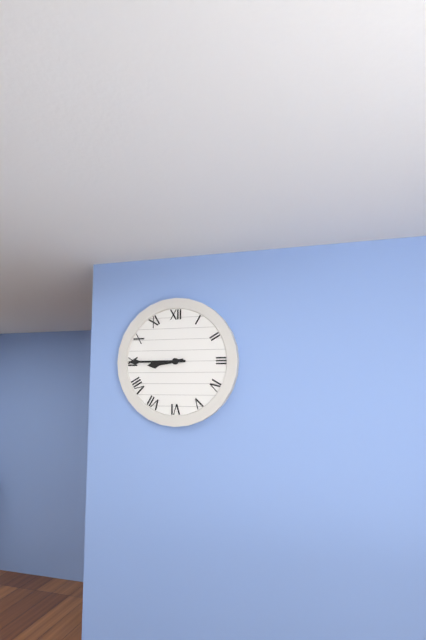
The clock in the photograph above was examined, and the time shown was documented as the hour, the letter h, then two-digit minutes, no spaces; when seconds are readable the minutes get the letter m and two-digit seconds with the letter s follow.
8h45
